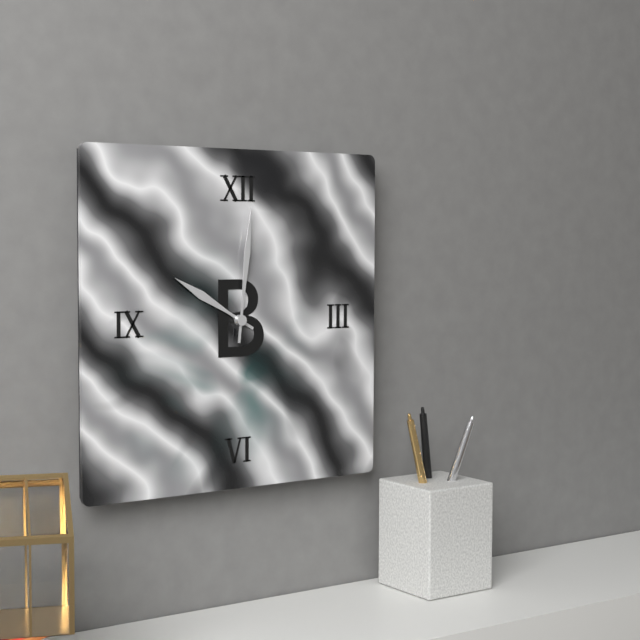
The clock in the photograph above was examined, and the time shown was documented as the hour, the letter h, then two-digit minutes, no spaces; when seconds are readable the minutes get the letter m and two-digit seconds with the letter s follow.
10h01
